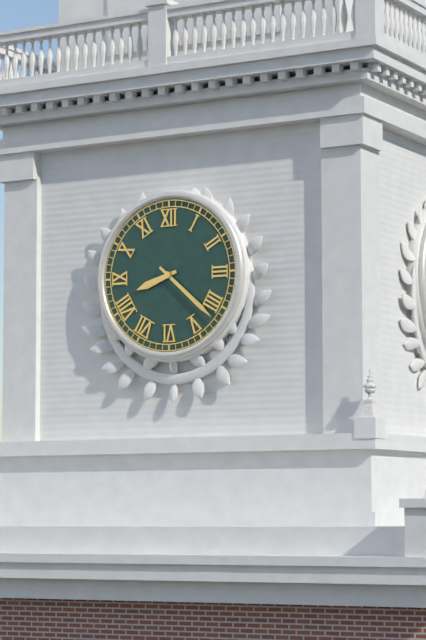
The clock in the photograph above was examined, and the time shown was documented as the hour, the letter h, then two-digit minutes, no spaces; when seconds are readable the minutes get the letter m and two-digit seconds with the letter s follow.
8h22
